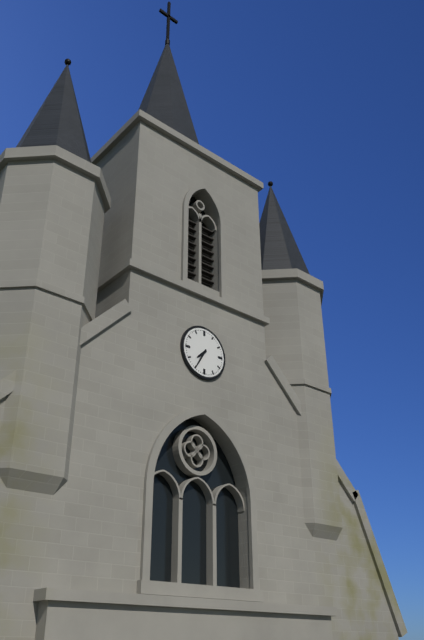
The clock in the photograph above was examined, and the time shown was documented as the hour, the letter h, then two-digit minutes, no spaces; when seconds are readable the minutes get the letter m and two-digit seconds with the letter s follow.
7h35
